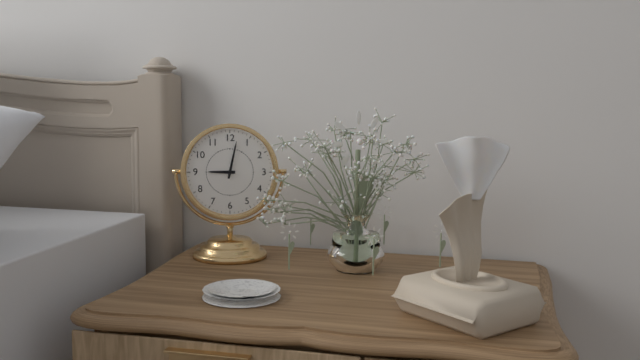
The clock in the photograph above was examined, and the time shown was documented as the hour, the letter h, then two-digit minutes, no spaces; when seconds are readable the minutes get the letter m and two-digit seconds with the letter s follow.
9h02
